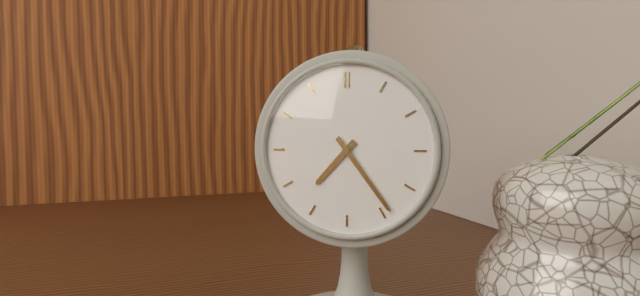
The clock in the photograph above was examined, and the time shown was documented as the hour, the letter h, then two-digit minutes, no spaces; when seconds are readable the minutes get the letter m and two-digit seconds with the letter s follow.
7h24
